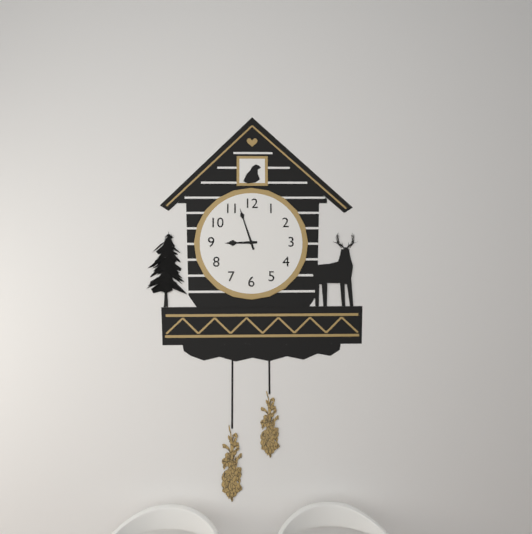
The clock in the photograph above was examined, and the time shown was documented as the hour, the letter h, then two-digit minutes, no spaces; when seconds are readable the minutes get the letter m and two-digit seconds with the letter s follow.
8h57
